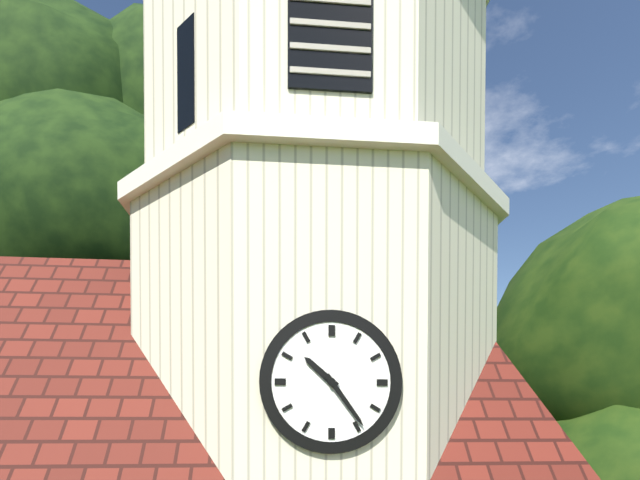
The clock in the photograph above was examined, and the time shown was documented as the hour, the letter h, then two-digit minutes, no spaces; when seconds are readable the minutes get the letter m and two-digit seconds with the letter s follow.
10h24
